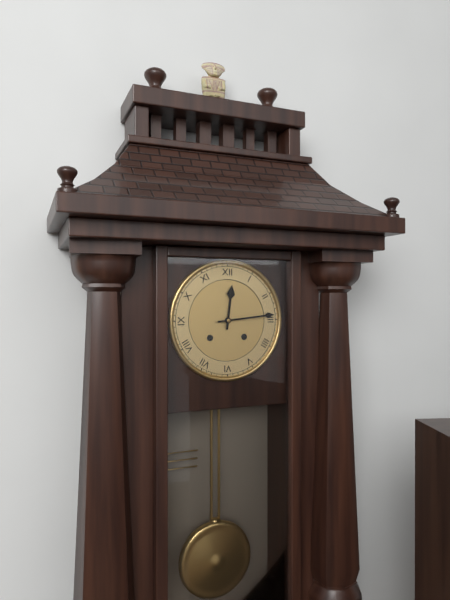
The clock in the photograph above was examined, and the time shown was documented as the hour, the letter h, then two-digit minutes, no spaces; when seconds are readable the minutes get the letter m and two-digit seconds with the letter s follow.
12h14
